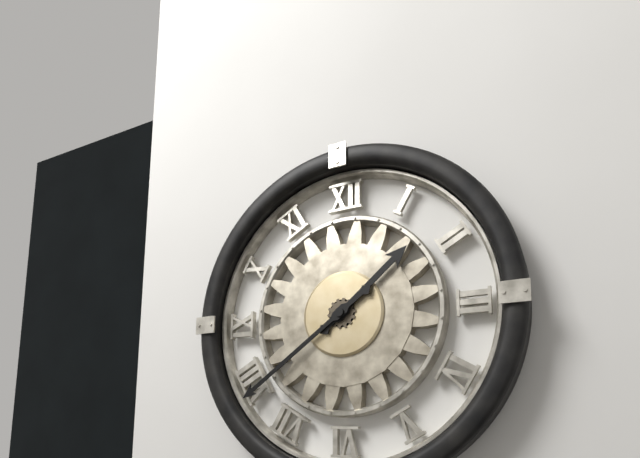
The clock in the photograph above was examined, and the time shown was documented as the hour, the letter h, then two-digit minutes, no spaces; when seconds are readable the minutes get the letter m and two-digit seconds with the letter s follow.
1h39
